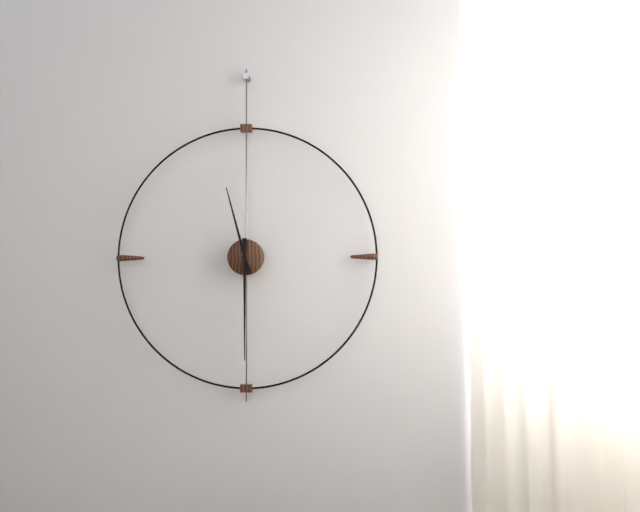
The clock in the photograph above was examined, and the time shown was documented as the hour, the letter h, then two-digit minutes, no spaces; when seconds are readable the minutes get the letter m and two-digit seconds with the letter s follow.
11h30
